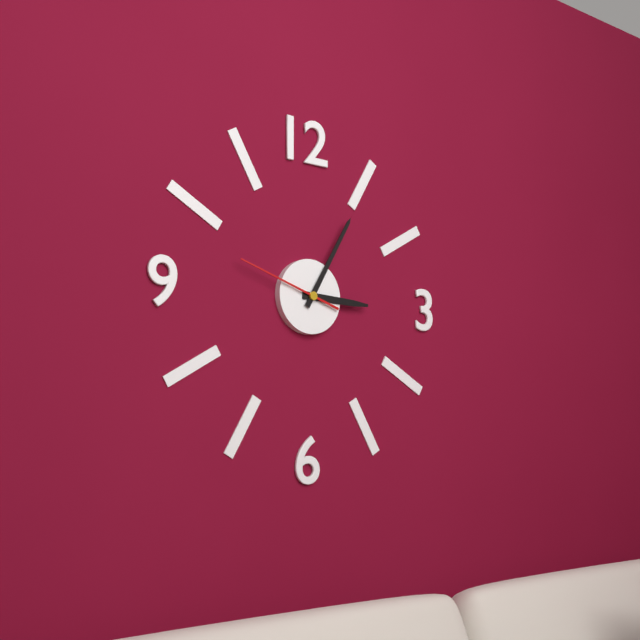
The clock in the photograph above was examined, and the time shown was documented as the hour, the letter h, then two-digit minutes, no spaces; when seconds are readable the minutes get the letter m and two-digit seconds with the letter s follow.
3h05m48s
